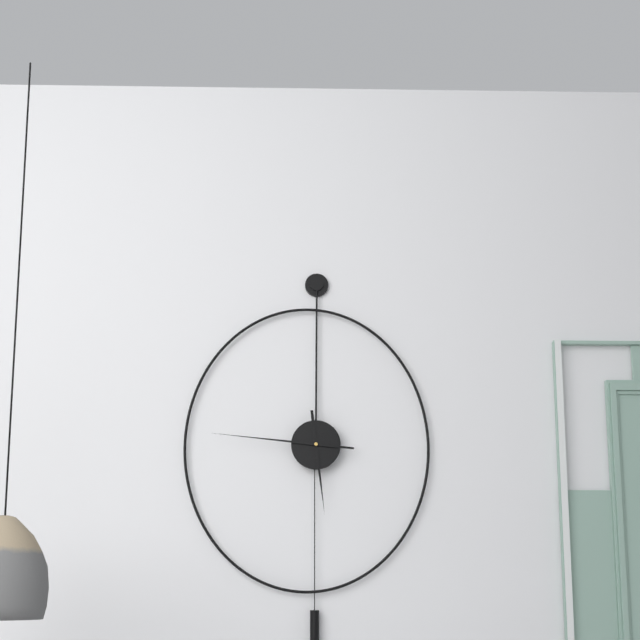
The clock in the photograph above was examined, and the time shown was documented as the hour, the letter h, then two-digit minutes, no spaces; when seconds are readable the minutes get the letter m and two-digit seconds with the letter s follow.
5h46
